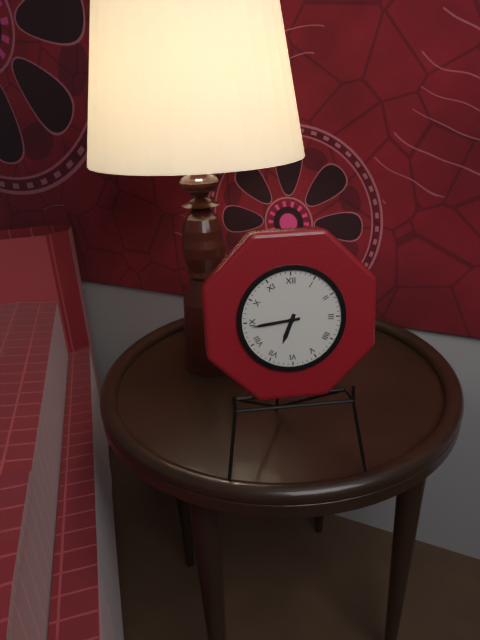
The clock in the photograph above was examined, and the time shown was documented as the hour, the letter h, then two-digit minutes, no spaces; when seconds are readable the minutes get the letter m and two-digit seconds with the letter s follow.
6h44
